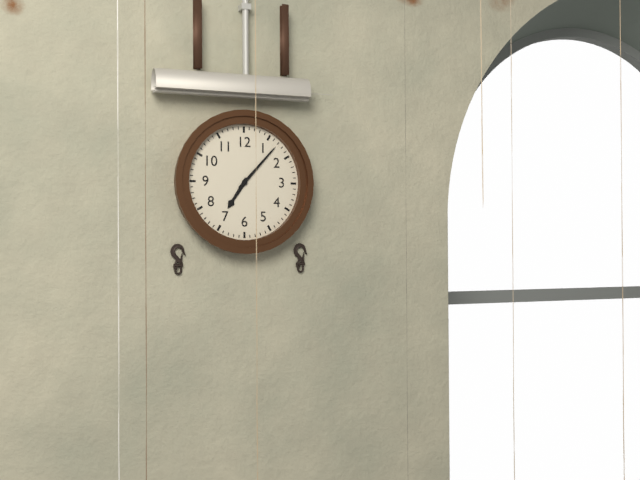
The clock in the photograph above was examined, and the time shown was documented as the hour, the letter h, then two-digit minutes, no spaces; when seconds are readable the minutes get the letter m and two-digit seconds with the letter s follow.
7h07
